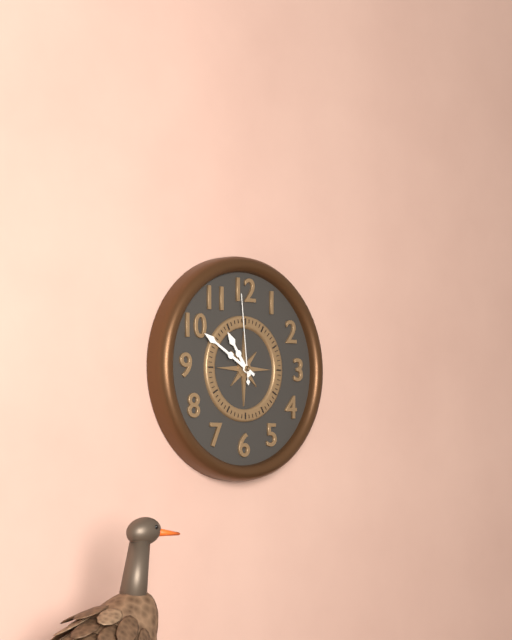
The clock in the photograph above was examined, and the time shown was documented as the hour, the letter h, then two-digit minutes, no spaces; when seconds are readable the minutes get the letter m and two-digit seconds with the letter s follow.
10h50m59s
